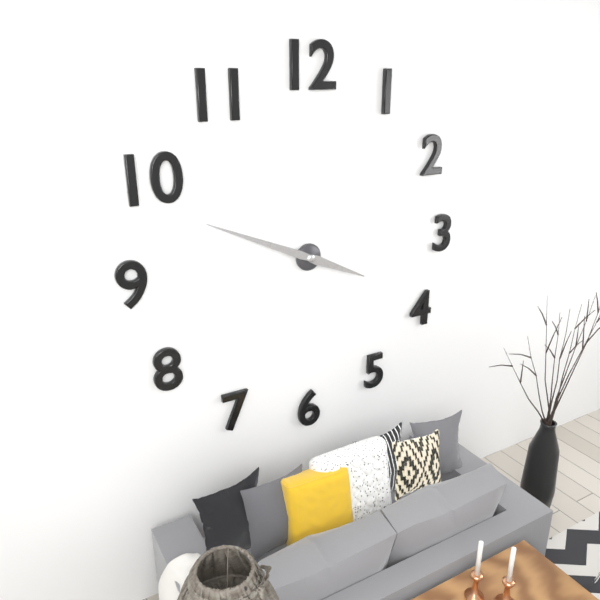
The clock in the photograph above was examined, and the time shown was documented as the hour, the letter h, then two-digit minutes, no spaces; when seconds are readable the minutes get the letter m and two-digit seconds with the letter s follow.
3h49
